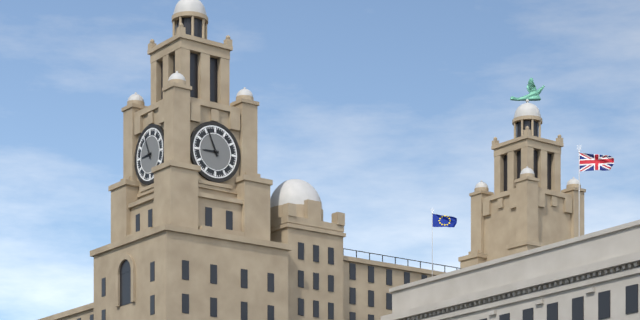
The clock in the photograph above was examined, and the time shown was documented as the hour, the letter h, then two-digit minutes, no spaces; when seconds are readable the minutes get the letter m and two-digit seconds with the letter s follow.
8h56
